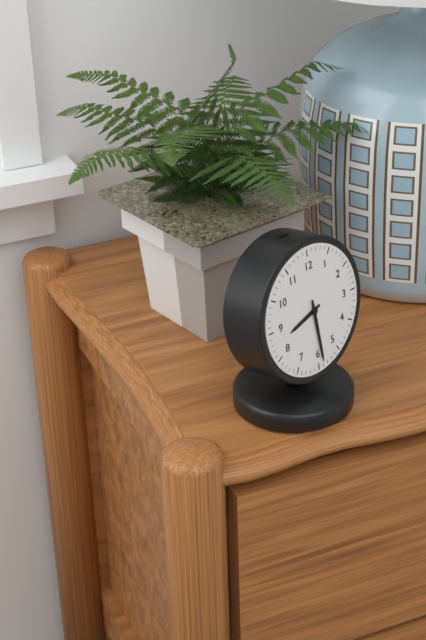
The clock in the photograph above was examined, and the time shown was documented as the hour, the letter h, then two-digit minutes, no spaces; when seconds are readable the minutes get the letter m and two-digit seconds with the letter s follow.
8h29
